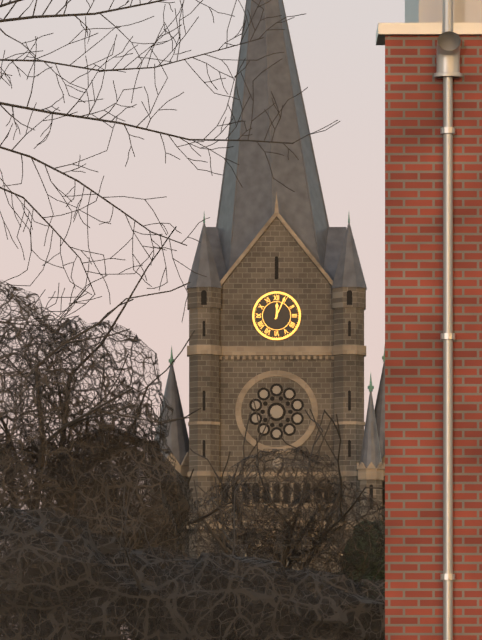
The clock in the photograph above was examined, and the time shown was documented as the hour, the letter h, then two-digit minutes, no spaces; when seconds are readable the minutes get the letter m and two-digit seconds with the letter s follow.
12h04
